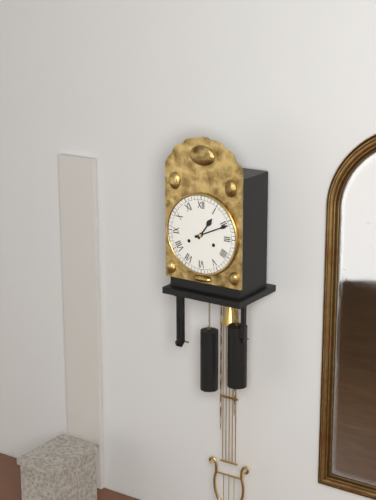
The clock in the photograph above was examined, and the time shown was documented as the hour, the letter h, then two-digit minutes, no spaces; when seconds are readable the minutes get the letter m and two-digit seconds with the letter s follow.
1h11
